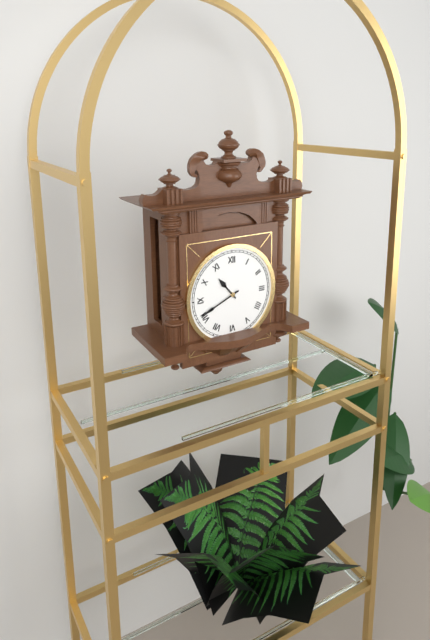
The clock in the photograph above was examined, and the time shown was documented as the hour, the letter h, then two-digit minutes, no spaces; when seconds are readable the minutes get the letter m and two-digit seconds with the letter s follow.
10h41
